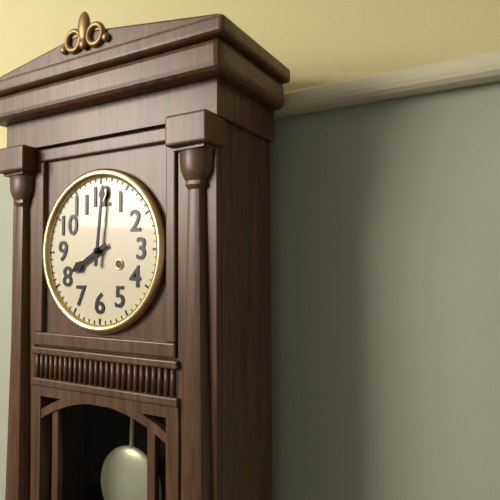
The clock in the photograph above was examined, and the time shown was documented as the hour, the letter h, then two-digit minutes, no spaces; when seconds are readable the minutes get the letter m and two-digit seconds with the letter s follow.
8h01
